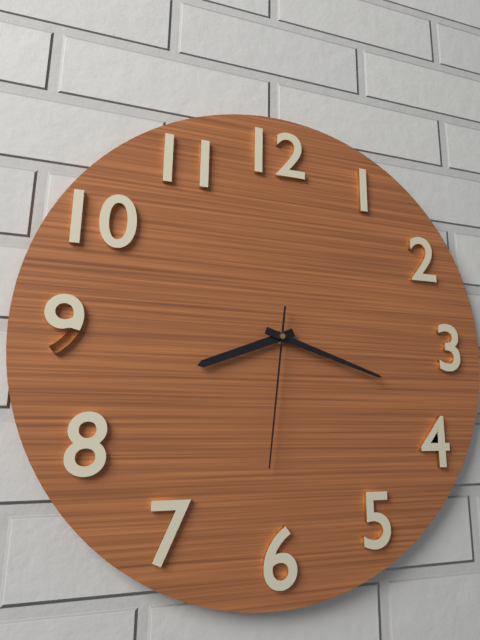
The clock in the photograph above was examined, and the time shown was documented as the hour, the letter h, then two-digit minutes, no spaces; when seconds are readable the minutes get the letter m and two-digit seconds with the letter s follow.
8h18m31s
